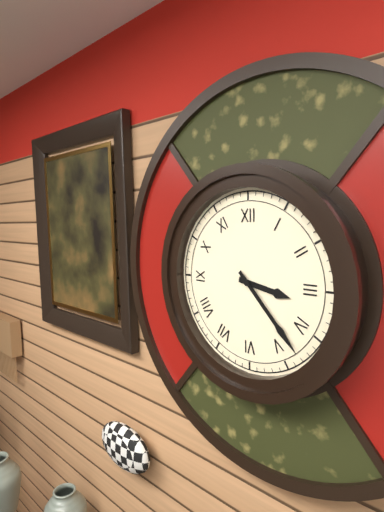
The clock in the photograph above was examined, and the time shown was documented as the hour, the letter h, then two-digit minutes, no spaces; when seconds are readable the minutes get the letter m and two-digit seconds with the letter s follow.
3h23
